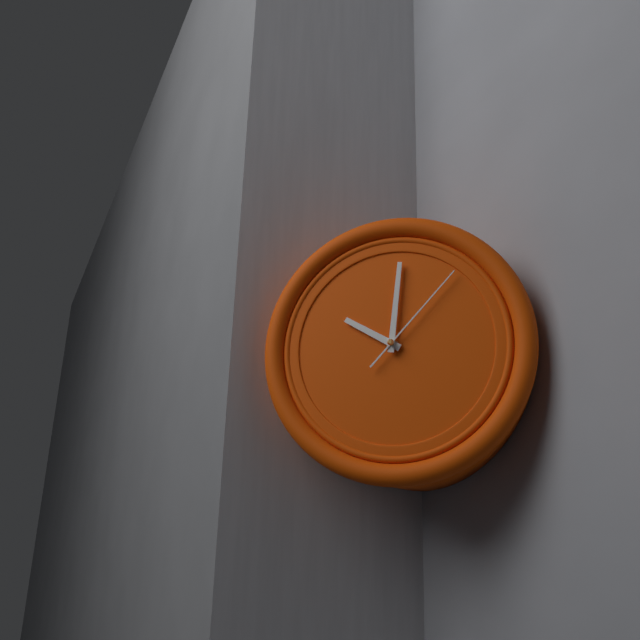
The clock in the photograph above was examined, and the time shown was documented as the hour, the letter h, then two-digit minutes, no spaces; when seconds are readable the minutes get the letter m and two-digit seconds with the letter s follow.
10h01m07s
